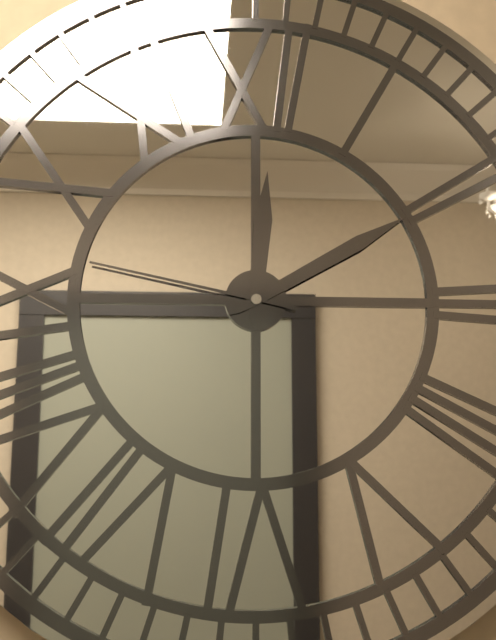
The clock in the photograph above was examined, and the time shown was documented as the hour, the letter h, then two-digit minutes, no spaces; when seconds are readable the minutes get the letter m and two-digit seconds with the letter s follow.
12h10m47s
